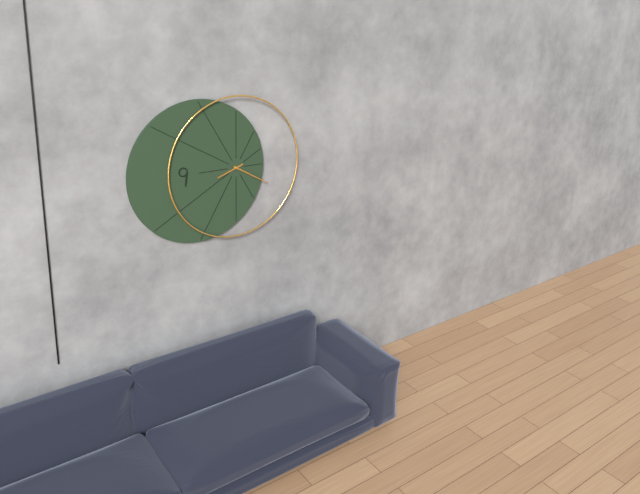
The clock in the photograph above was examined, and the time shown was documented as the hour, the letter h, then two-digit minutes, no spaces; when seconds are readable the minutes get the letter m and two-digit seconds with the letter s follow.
8h20
